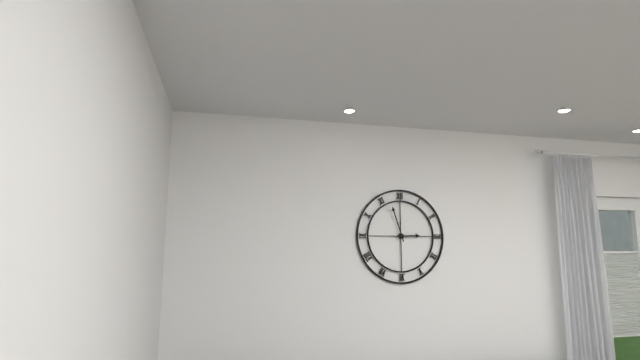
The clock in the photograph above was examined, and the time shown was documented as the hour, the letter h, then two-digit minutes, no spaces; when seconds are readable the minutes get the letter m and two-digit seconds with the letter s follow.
2h57
